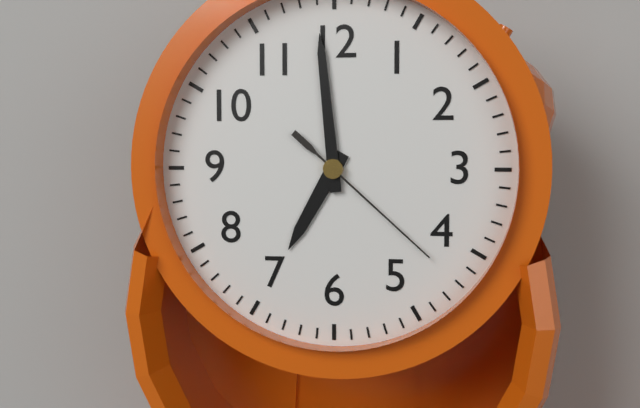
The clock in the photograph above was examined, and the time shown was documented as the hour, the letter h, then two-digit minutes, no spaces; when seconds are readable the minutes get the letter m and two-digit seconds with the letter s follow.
6h59m22s
